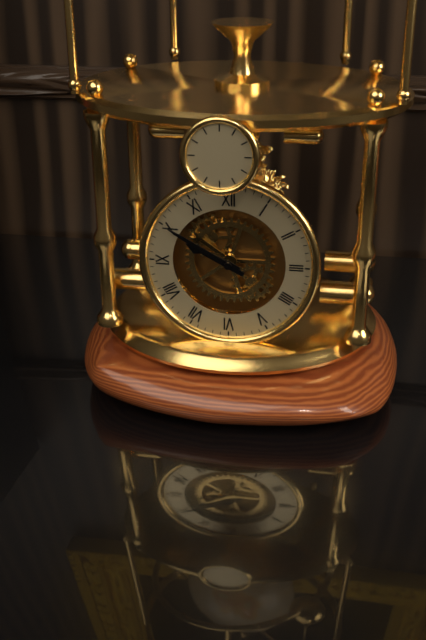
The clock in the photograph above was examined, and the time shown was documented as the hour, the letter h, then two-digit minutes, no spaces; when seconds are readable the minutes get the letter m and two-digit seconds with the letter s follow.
9h50
